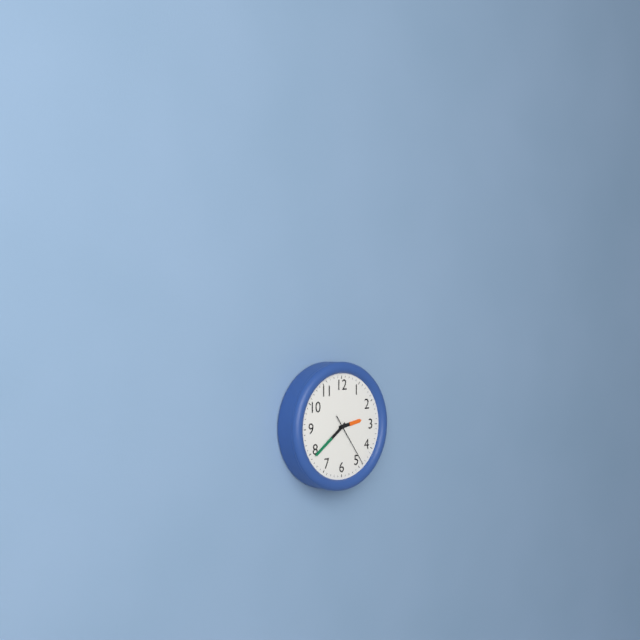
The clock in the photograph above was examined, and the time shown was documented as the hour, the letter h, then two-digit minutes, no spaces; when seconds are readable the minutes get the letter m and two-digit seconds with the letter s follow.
2h39m24s
